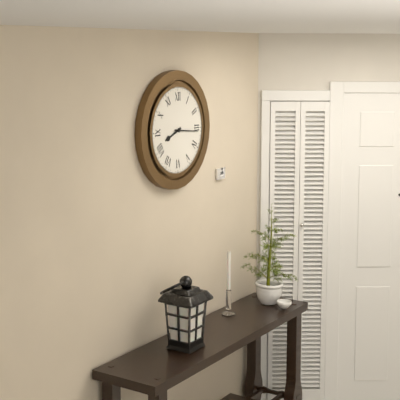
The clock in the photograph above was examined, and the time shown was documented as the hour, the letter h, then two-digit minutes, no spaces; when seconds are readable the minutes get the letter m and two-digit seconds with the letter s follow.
8h16
